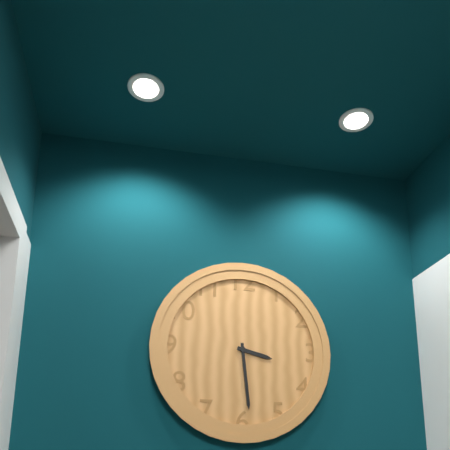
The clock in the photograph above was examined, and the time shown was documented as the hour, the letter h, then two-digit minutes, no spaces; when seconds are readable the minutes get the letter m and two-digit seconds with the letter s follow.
3h29
